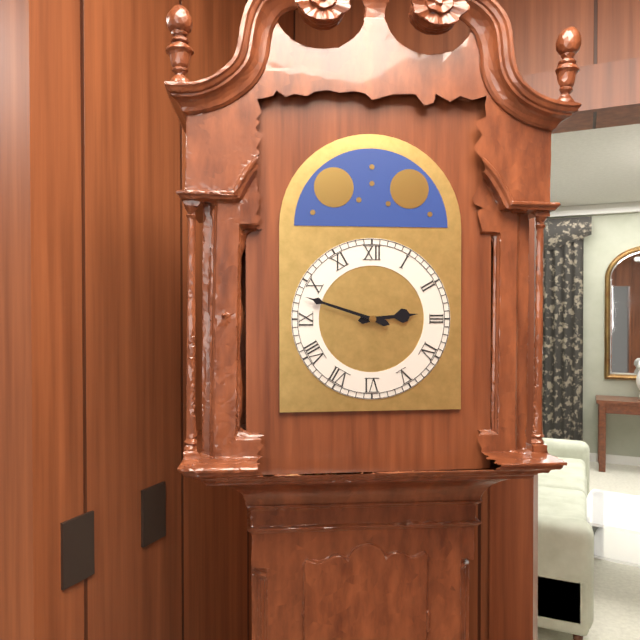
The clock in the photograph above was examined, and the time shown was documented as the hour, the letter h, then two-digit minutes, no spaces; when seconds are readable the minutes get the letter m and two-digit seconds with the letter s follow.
2h48
